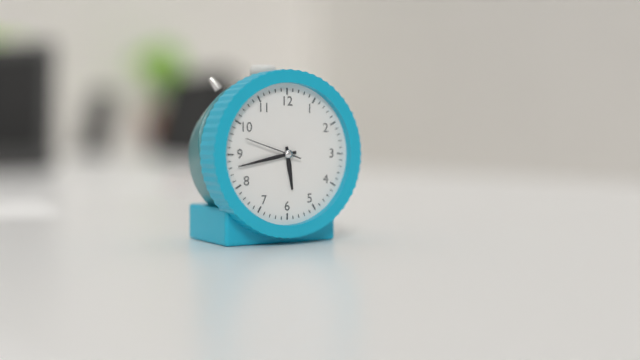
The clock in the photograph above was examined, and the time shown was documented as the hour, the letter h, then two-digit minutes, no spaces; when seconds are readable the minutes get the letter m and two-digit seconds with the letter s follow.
5h43m48s
